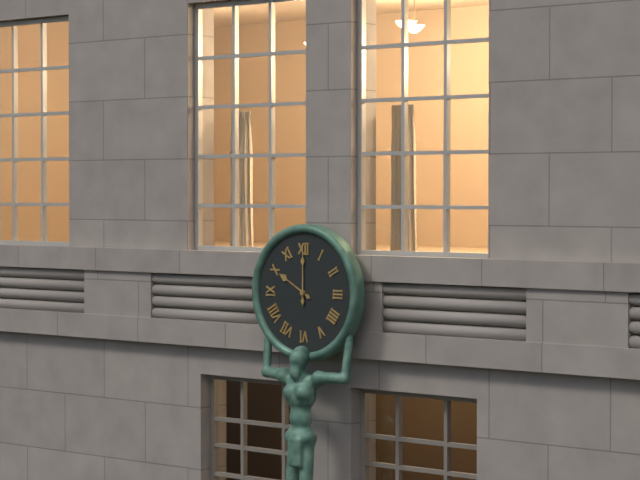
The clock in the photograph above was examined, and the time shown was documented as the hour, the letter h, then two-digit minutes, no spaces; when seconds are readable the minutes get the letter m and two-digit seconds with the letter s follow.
10h00
